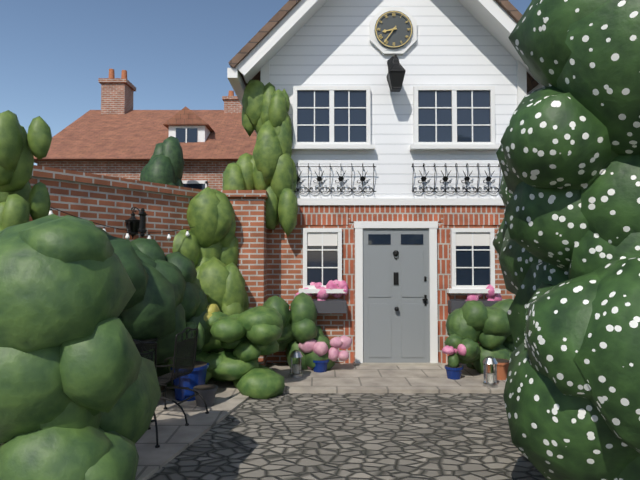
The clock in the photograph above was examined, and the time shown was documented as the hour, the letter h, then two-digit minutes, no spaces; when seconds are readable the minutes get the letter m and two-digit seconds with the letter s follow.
8h36
